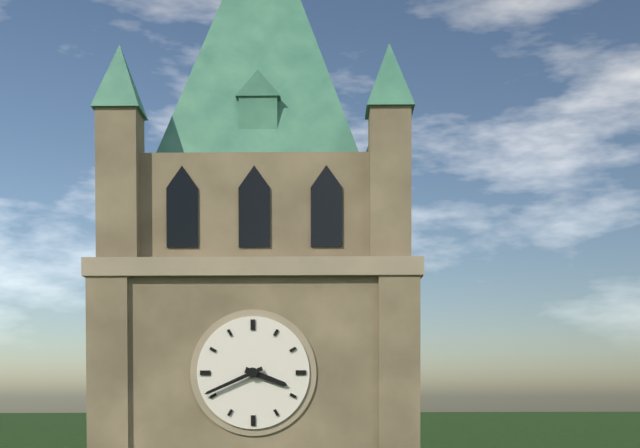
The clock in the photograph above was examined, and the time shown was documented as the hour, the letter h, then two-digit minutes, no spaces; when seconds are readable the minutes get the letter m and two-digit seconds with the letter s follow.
3h41
